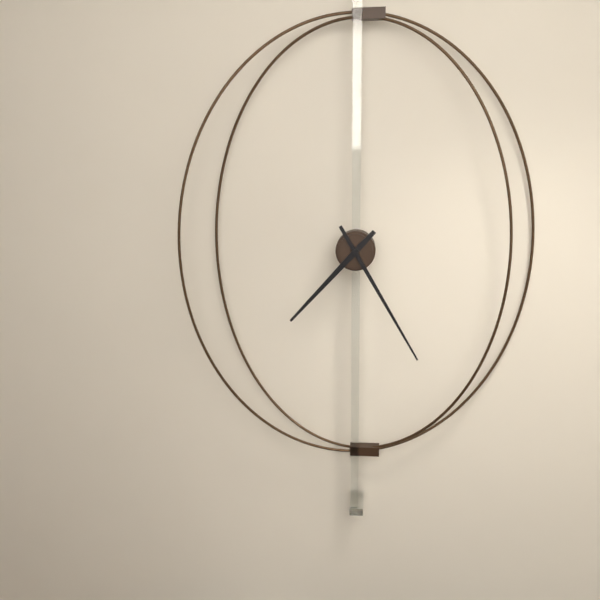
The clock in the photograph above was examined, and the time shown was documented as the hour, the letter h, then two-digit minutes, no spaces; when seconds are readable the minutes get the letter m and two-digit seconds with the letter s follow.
7h25
